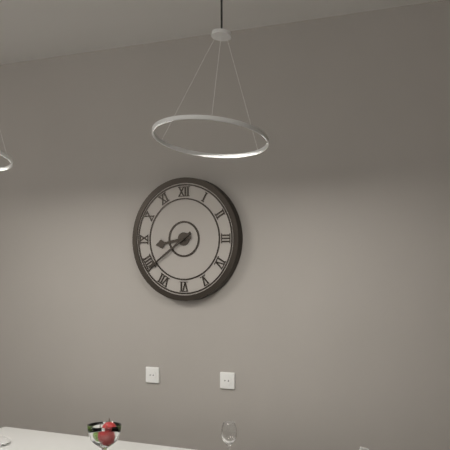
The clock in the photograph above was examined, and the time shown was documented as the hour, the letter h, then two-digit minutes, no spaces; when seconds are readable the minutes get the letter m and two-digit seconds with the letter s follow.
8h39
